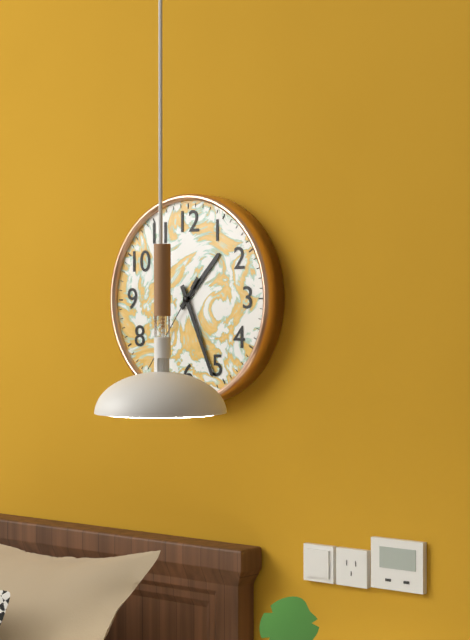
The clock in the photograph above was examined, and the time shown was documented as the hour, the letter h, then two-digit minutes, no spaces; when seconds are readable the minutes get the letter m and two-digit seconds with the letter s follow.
1h26m36s
